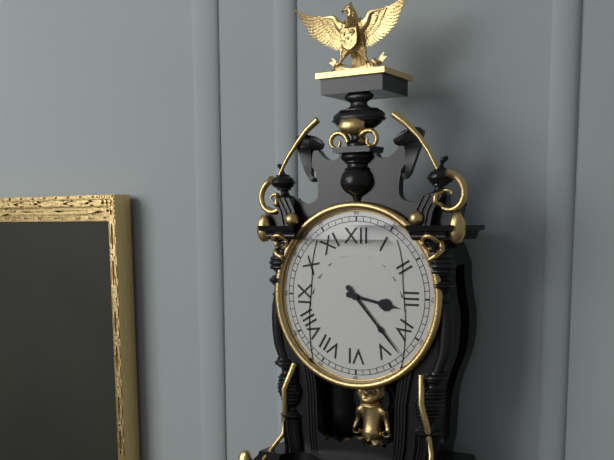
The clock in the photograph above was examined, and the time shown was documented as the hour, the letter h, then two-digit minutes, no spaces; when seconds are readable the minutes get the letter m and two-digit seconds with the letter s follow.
3h23
